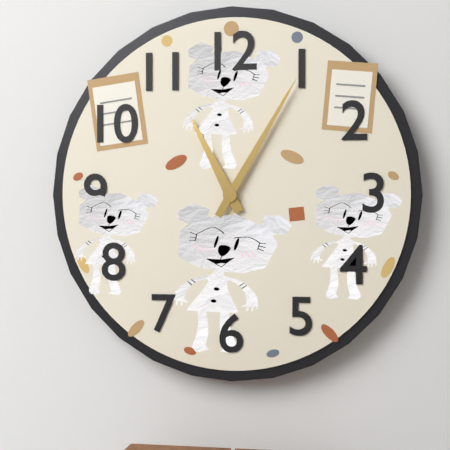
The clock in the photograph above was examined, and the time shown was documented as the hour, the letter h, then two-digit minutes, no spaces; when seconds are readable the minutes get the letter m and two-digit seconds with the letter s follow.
11h05
